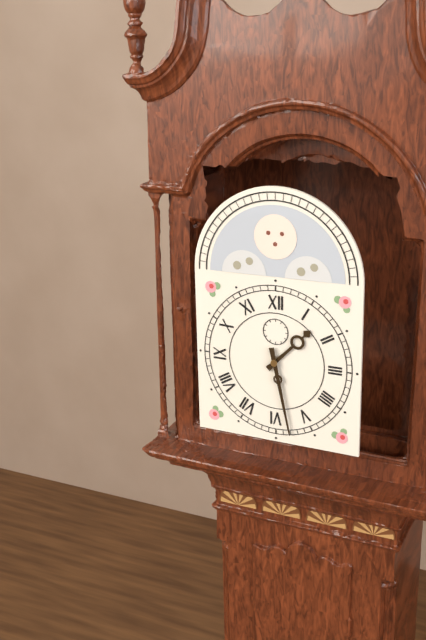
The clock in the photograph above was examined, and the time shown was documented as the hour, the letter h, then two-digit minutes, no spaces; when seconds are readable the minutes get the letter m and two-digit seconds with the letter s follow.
1h28
